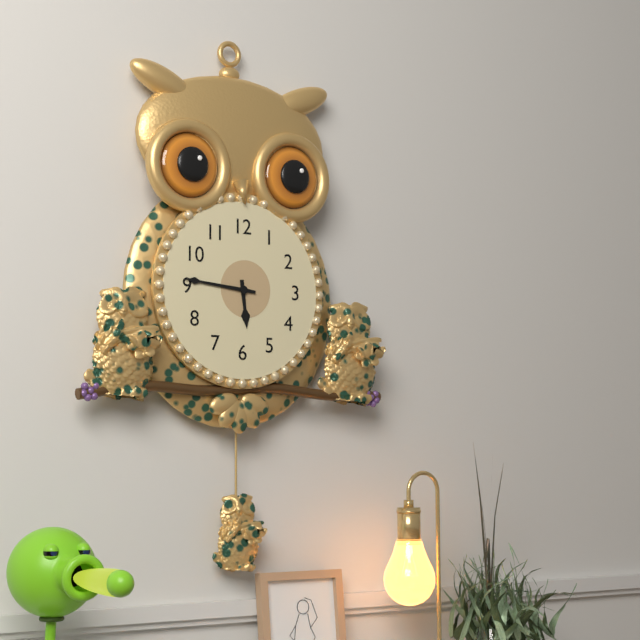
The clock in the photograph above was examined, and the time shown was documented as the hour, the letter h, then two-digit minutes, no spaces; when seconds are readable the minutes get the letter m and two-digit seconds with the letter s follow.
5h46
